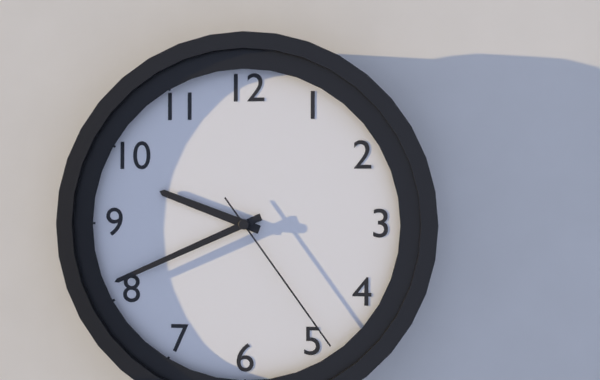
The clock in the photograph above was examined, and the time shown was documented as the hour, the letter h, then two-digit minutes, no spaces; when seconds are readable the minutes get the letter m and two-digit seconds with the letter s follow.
9h41m24s
